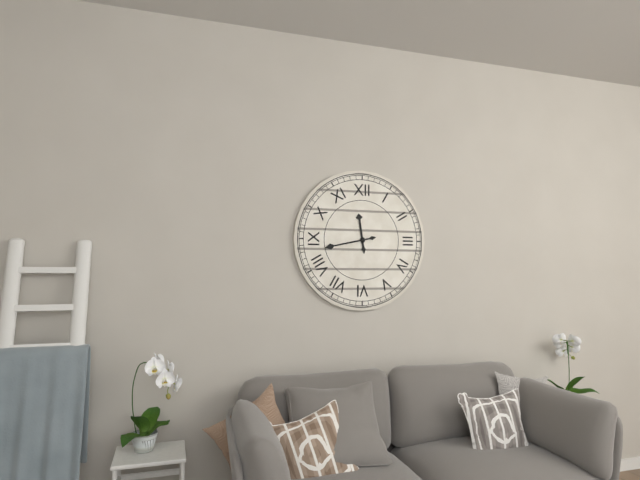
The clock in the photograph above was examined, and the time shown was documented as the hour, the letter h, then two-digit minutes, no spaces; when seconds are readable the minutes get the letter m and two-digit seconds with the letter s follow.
11h43
